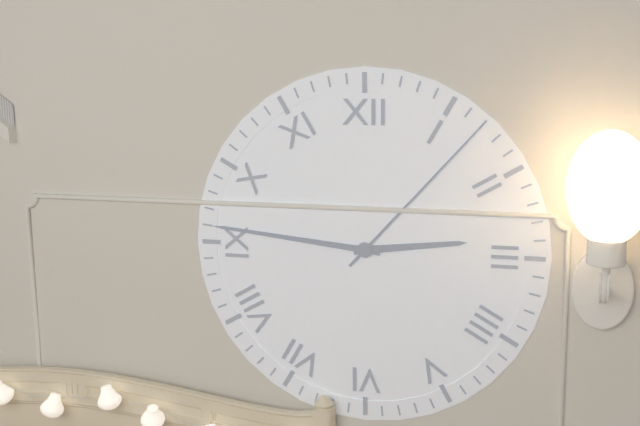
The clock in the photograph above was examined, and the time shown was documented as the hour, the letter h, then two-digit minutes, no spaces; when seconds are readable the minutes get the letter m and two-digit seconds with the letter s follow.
2h46m07s
